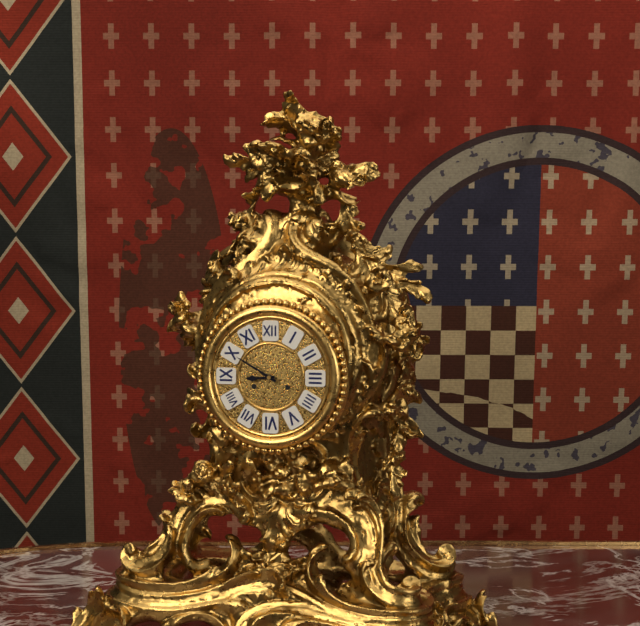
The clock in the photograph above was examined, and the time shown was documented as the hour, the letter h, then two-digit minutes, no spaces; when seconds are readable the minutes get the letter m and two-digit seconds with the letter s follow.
8h50
